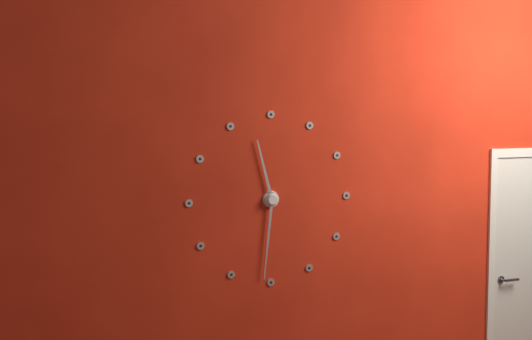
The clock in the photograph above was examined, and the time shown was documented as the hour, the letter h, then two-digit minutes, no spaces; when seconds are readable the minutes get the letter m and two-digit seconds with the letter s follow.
11h31
